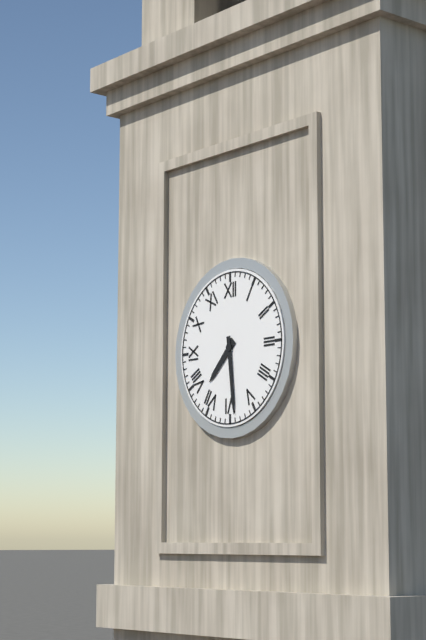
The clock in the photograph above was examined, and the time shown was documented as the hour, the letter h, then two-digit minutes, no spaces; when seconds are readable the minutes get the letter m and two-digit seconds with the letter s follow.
7h29
